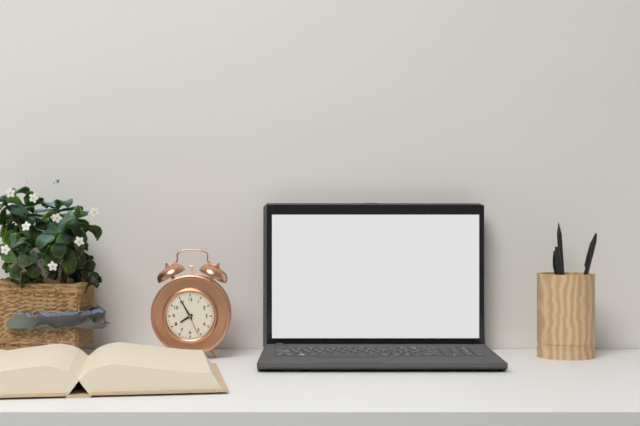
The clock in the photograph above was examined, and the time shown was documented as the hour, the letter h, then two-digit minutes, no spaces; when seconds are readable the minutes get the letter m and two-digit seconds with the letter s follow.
7h55
